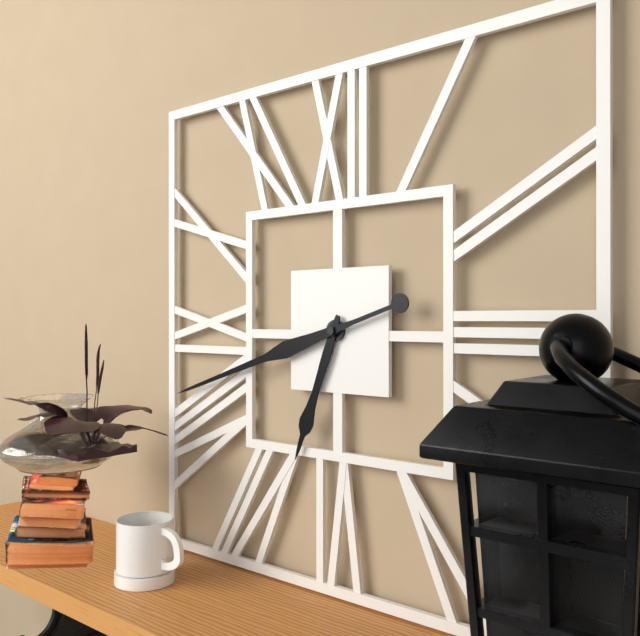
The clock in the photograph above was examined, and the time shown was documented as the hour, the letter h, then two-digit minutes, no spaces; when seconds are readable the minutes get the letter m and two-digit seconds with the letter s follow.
6h42
